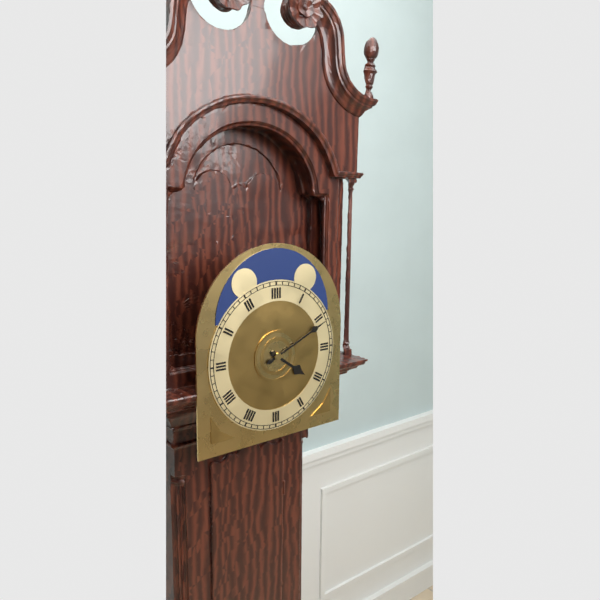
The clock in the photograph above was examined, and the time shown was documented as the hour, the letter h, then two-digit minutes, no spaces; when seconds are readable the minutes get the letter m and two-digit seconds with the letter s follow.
4h11
